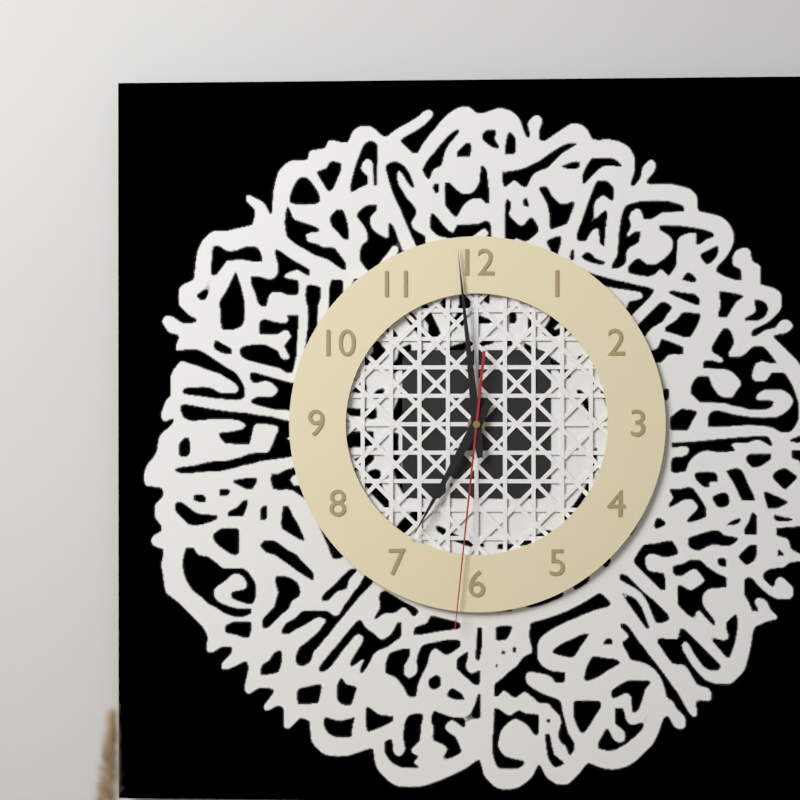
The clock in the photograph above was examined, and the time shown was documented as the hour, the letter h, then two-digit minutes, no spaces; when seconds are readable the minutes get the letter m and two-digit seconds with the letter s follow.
6h59m31s
